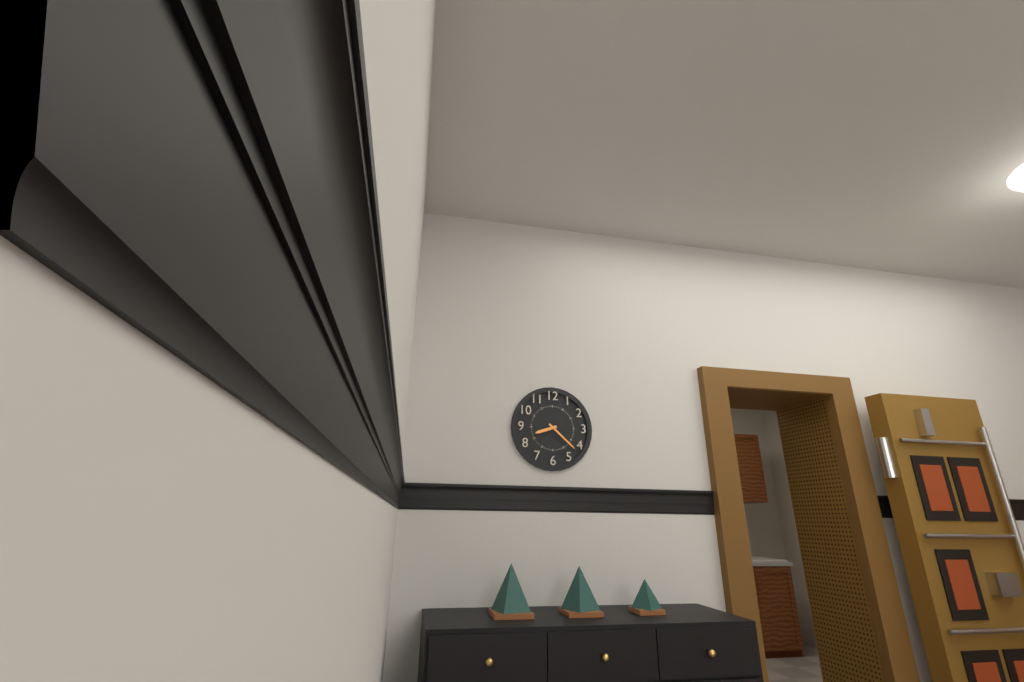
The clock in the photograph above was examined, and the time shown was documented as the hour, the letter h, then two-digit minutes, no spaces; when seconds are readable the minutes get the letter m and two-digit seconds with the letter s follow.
8h22
